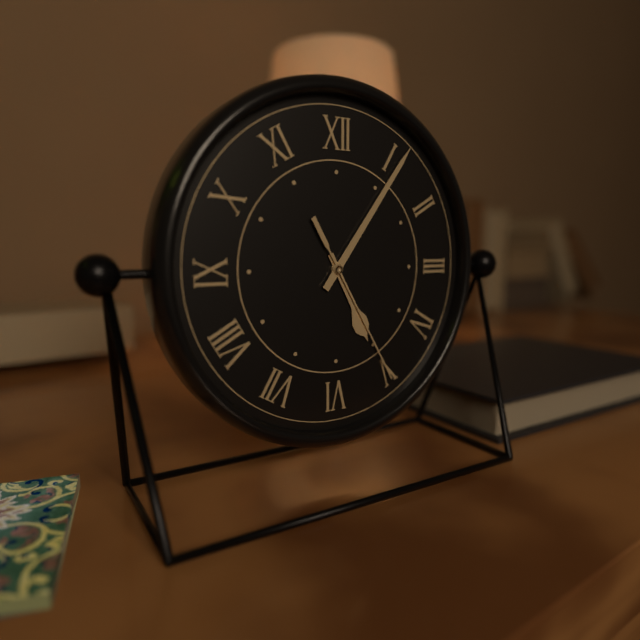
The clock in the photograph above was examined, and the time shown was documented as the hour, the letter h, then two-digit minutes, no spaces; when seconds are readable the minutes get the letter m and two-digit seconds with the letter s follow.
5h06m25s
